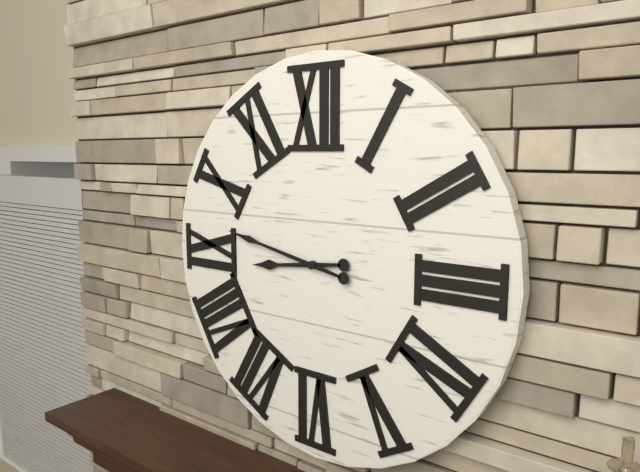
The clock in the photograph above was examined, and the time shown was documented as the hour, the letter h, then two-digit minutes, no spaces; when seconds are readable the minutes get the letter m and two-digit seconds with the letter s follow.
8h47
